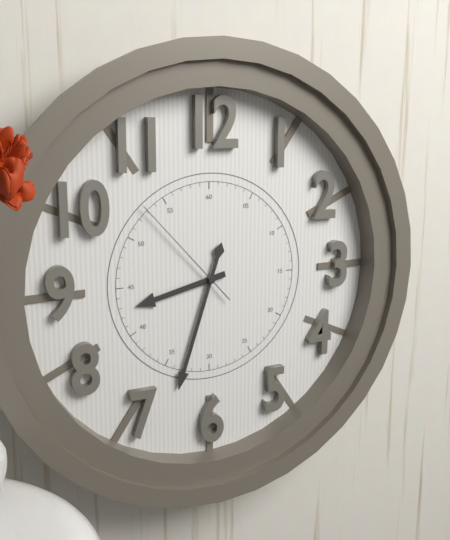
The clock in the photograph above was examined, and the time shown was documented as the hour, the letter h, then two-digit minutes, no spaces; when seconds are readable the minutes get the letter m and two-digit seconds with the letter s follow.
8h33m53s
